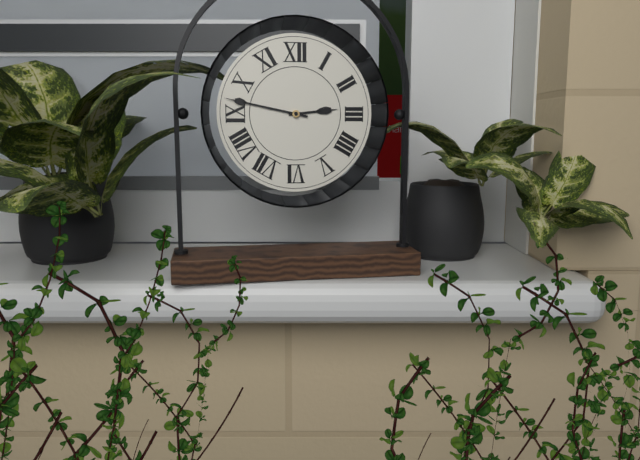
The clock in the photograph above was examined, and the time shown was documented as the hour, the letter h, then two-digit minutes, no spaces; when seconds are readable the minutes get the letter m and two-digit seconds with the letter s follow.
2h47
